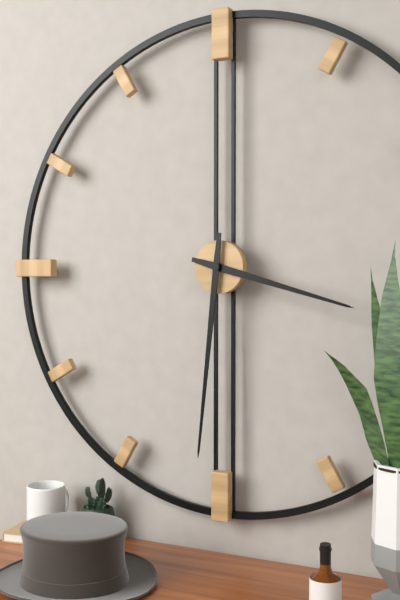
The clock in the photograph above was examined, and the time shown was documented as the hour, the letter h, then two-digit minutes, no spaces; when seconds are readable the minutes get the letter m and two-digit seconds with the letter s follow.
3h31
